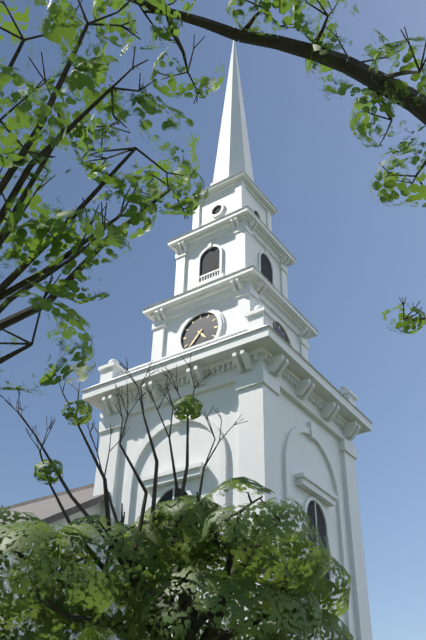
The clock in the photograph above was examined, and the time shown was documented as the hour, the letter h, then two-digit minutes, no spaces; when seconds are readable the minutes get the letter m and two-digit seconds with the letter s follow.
4h37
